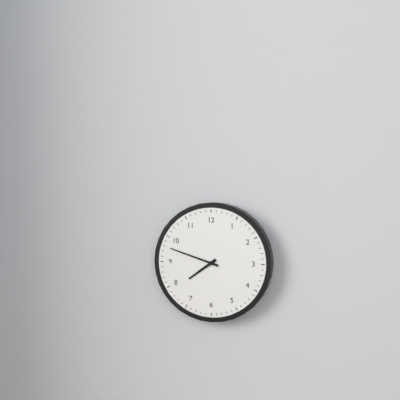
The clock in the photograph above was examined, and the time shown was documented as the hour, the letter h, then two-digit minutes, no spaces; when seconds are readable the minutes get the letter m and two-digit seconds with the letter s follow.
7h48
